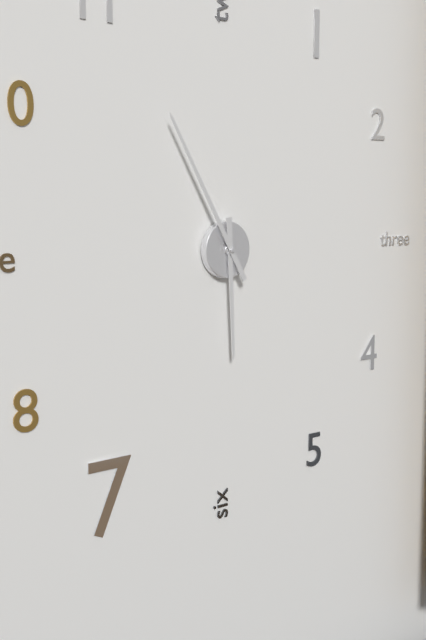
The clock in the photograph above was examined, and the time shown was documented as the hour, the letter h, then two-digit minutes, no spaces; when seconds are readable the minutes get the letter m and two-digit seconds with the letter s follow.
5h55
